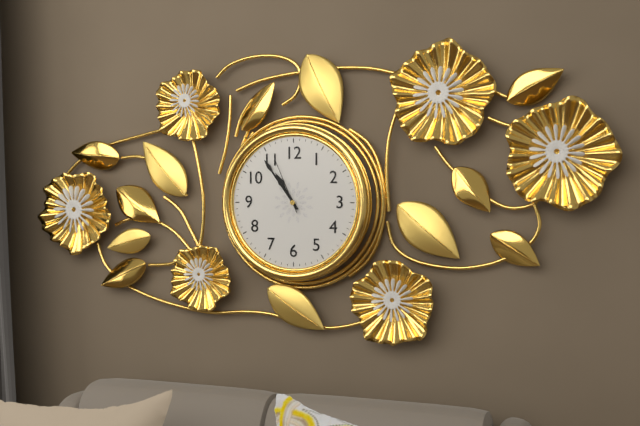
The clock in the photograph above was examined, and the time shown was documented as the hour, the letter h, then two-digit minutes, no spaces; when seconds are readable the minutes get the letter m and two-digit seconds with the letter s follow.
10h54m56s
